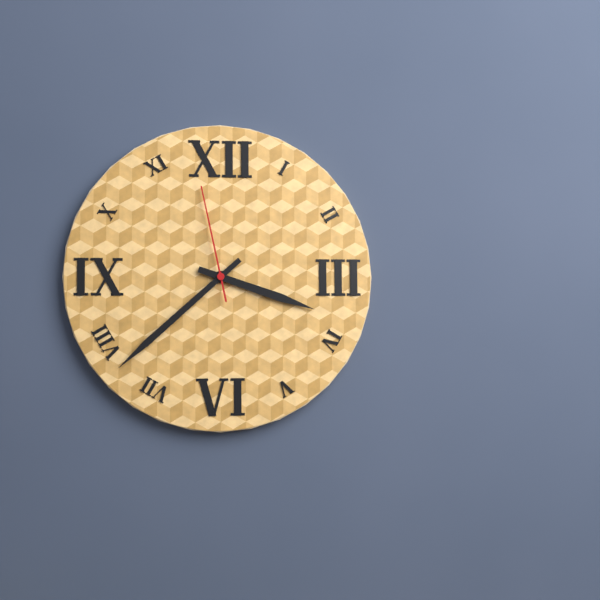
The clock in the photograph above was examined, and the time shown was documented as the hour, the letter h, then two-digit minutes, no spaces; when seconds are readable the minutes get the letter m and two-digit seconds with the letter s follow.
3h38m58s
